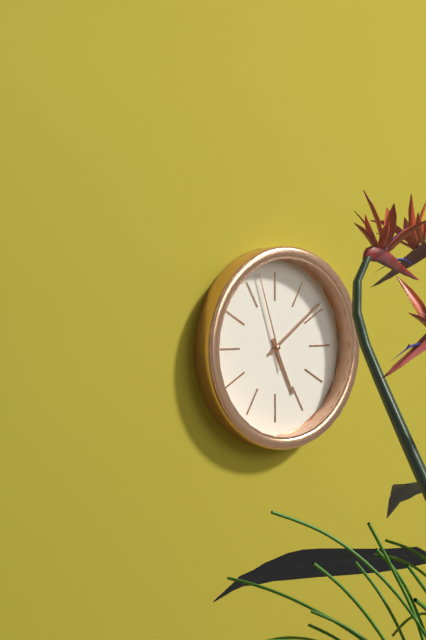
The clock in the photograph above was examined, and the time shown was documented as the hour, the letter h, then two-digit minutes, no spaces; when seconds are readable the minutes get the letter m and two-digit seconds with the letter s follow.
5h09m57s
